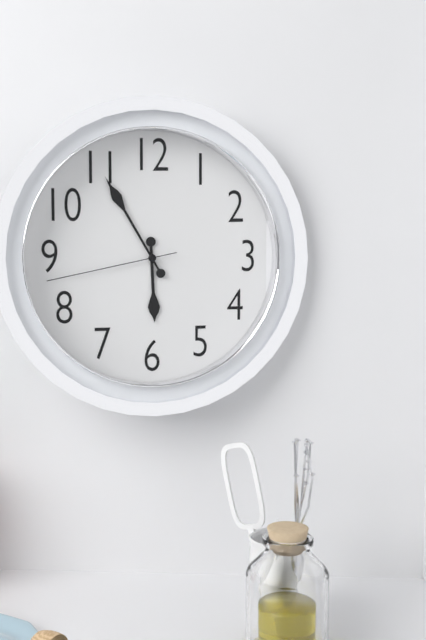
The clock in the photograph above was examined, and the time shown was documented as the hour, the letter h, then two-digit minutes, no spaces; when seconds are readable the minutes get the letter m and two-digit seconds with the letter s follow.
5h55m43s
